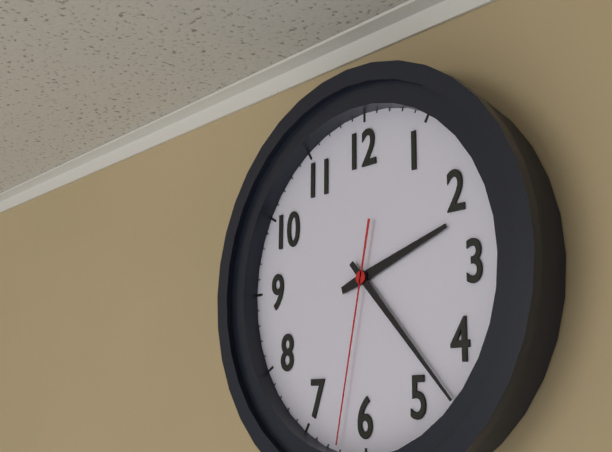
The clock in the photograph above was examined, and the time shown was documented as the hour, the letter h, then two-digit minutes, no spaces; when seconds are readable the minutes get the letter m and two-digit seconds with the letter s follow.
2h23m32s
